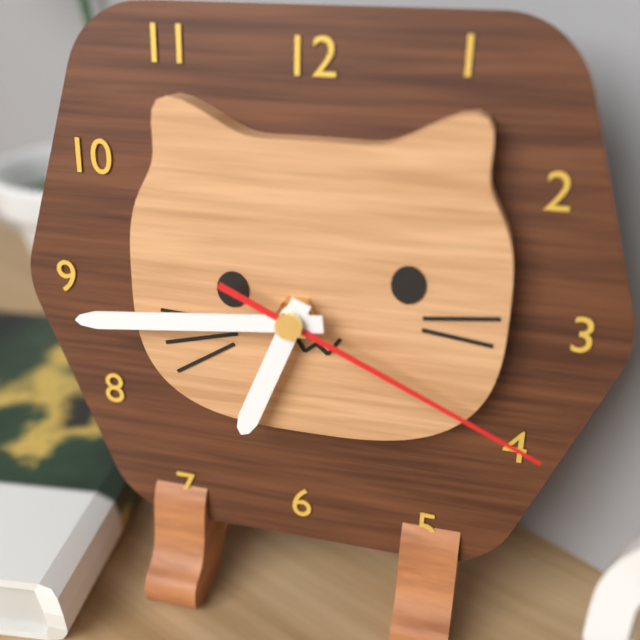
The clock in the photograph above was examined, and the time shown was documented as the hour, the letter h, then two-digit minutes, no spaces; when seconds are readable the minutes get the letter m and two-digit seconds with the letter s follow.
6h44m19s
